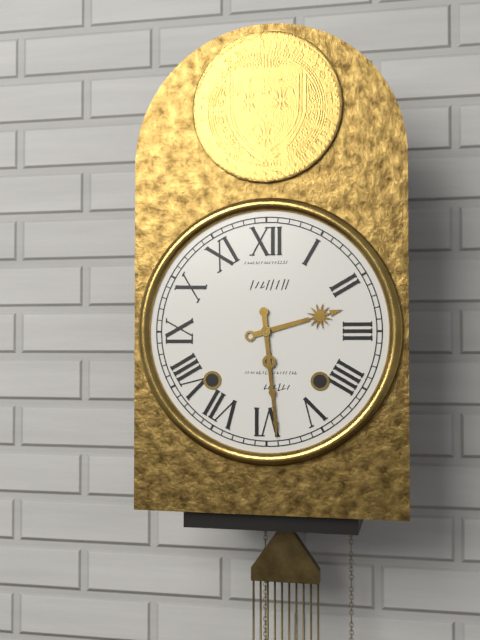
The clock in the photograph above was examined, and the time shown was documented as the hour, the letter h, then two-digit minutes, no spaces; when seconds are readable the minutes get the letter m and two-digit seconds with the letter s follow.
2h29
